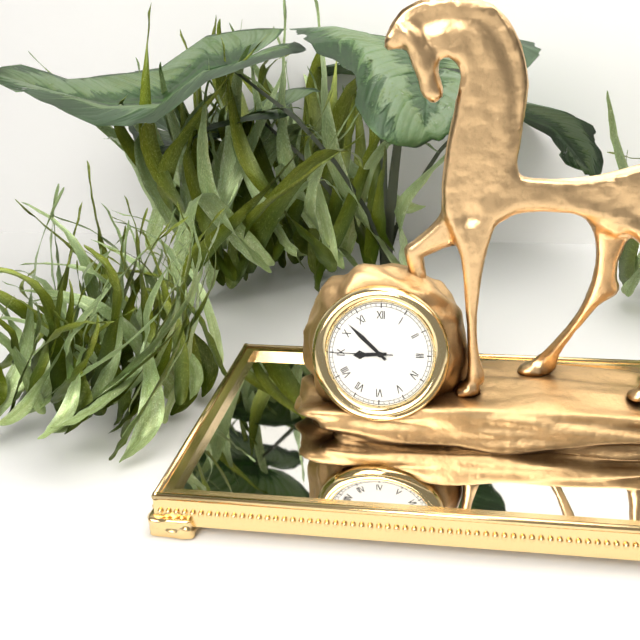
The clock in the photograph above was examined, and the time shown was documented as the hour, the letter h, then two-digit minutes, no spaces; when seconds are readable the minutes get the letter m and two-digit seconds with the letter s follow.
8h52m45s
